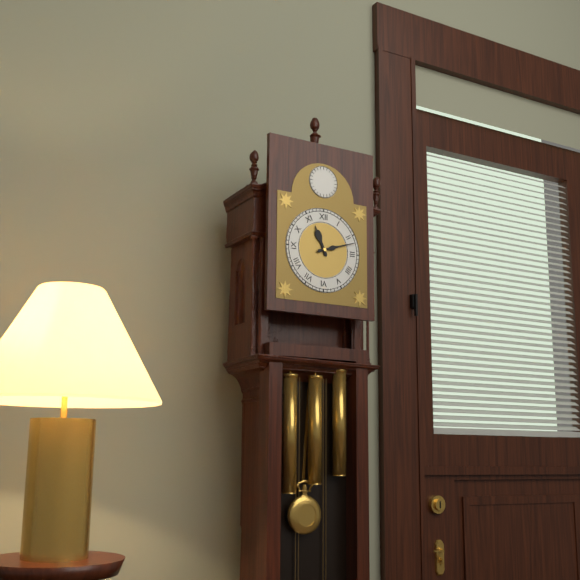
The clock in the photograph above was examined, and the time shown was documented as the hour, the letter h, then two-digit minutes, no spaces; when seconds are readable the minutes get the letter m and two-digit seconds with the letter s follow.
11h12
